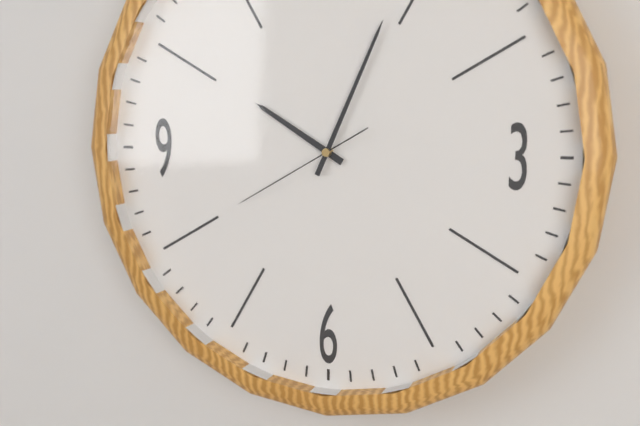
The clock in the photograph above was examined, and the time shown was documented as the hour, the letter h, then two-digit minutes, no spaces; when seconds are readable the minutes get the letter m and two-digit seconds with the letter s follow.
10h04m40s
